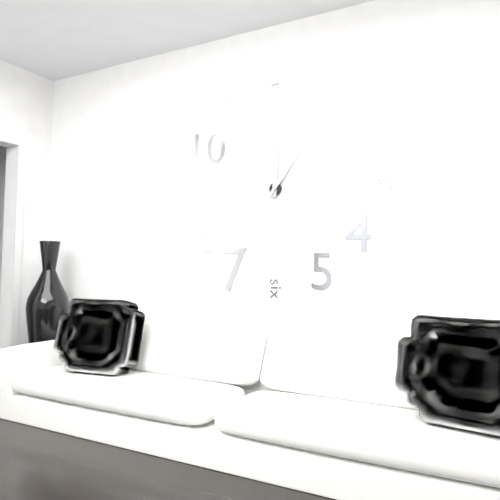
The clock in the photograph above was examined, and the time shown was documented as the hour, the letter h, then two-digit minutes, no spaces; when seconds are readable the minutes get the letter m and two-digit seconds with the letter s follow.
12h06
